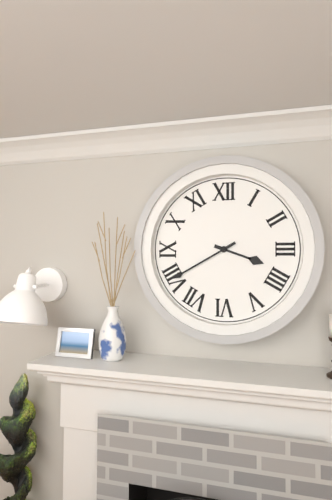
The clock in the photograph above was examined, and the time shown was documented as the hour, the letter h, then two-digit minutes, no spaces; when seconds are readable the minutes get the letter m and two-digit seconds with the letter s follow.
3h40
